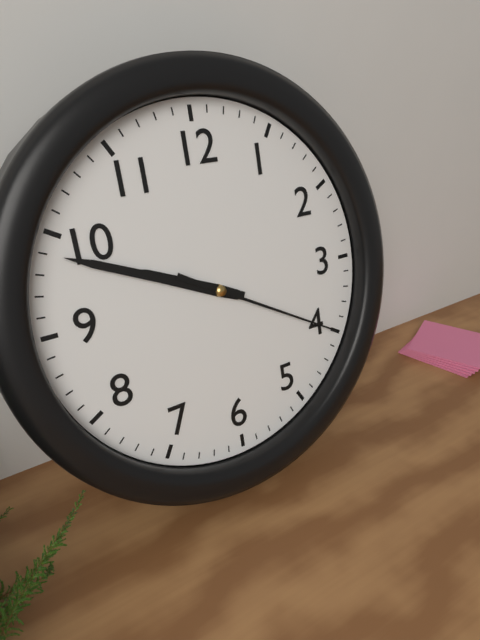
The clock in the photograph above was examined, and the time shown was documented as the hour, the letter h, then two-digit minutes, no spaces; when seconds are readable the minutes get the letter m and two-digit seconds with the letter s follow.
9h49m20s
